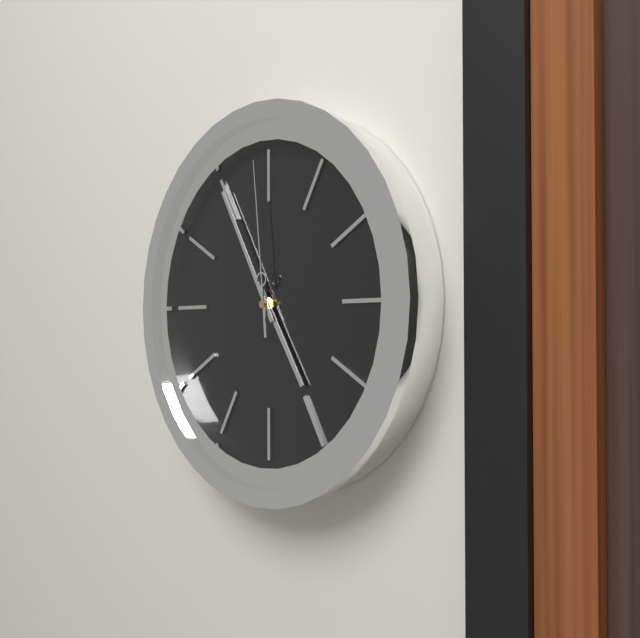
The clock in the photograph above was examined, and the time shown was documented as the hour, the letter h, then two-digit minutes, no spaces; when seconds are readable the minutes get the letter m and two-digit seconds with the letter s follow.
4h55m59s
